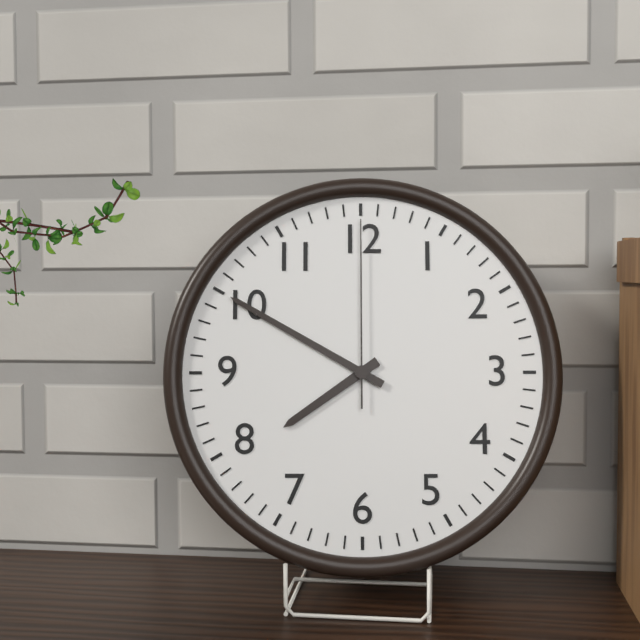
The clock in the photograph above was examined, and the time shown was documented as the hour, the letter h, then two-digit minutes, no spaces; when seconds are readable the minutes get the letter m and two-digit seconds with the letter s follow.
7h50m00s
